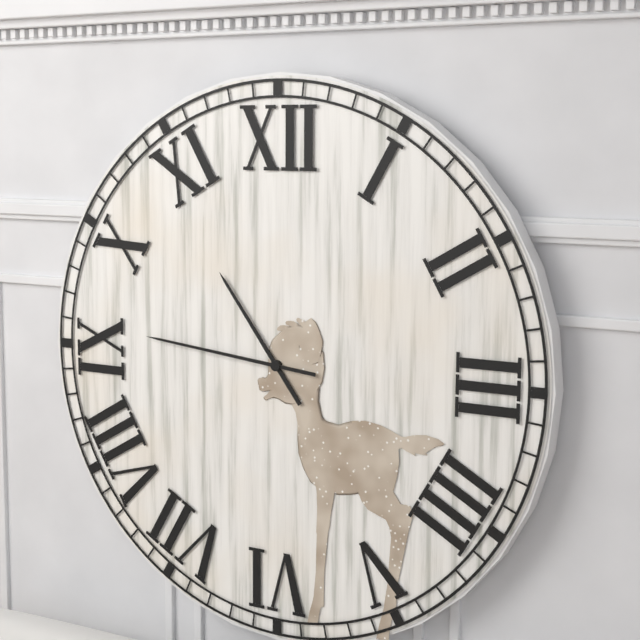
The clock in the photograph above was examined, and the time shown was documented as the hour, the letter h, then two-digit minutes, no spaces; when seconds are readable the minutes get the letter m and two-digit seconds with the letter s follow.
10h46
